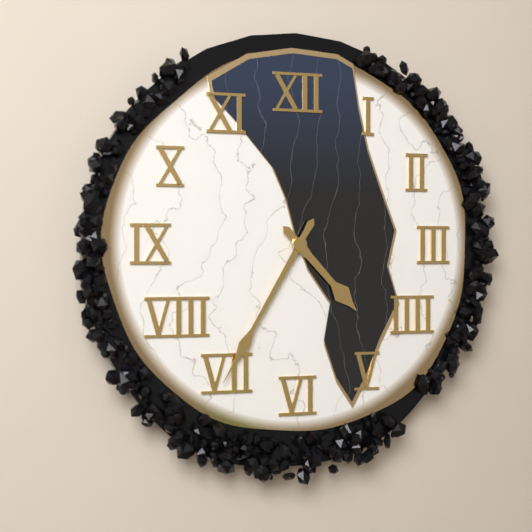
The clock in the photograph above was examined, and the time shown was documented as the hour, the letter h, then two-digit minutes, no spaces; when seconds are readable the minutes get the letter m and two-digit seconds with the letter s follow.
4h35
